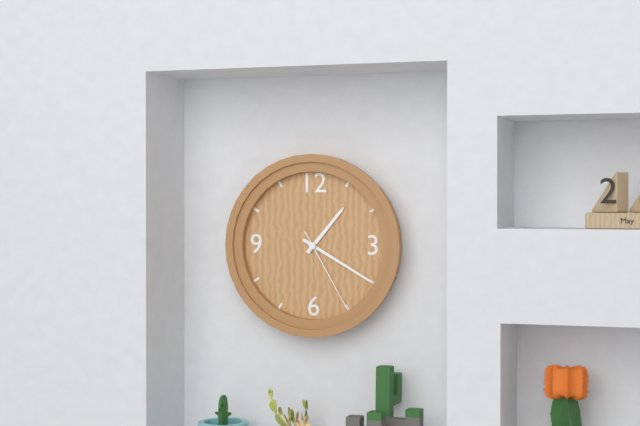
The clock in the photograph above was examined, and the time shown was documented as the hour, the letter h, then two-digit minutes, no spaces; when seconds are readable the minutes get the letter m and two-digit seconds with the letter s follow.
1h20m25s
